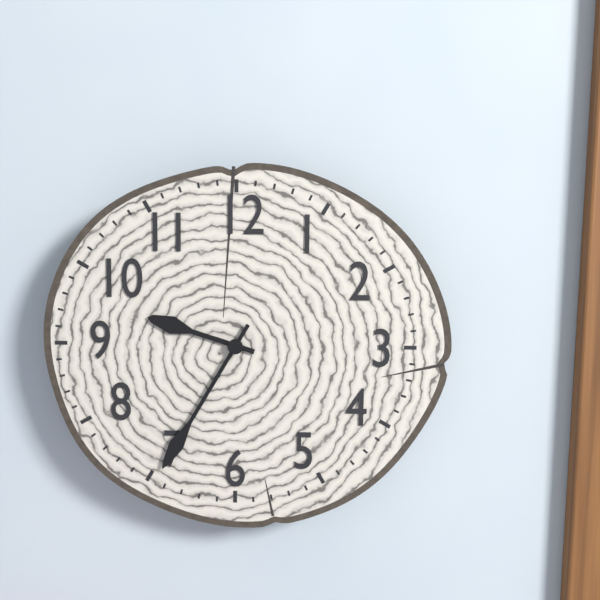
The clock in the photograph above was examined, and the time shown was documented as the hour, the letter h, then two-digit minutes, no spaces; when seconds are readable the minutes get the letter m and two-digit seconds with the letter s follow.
9h35
